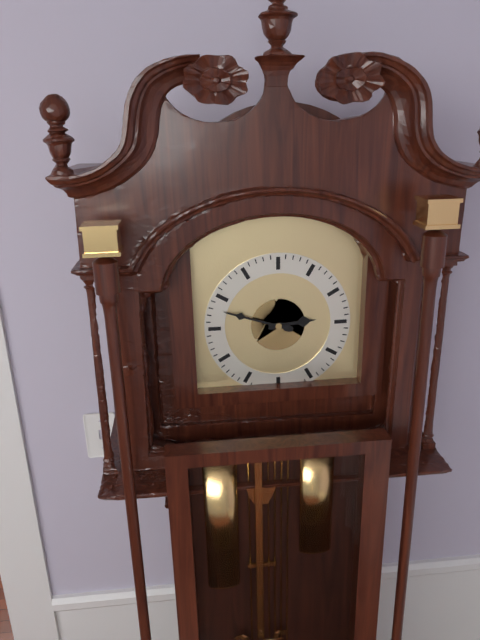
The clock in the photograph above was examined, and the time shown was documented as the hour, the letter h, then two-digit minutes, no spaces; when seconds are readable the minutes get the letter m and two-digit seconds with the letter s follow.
2h48
